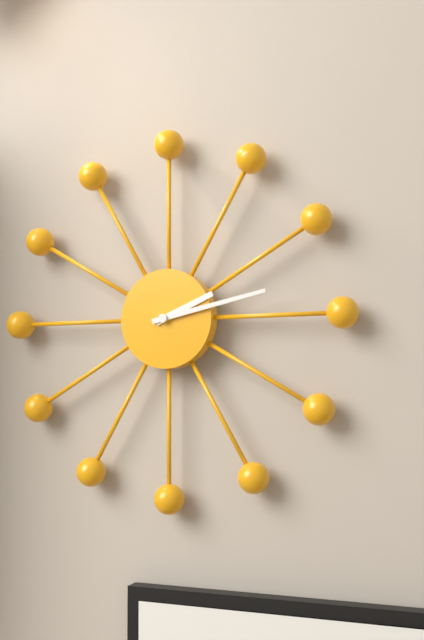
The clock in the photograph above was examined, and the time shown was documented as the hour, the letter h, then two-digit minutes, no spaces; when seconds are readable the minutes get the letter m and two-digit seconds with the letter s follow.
2h13
